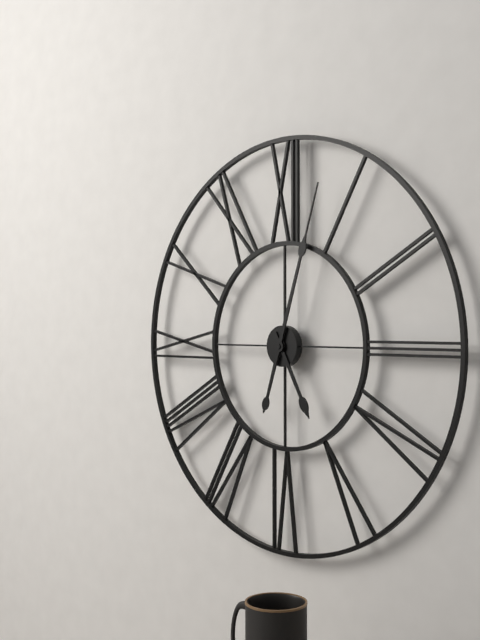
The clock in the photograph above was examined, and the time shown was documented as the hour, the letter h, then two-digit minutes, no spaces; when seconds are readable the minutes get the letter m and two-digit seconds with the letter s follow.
5h03
